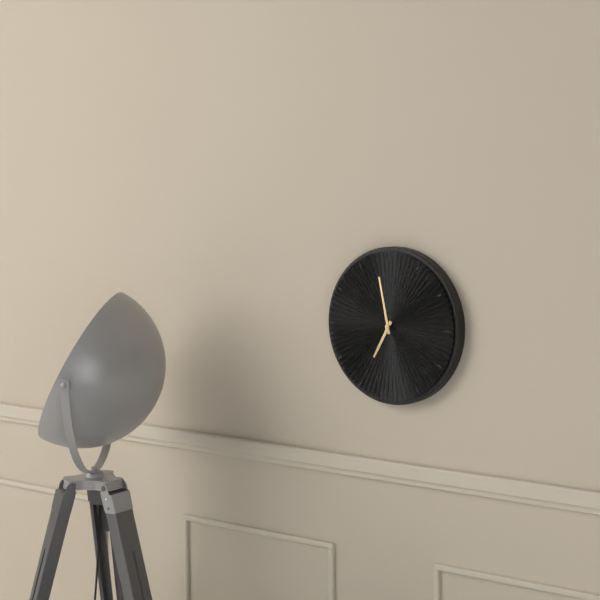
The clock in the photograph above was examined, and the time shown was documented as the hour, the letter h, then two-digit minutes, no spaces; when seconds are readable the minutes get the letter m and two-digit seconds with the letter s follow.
6h58
